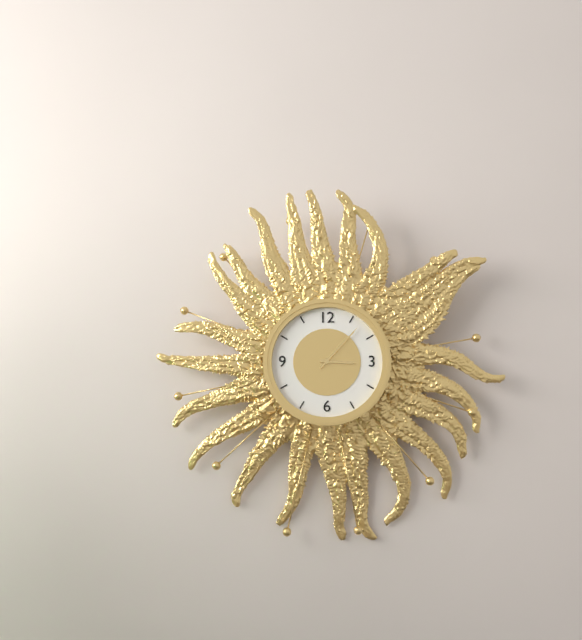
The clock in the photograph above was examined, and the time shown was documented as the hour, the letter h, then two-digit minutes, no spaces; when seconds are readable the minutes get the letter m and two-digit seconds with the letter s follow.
3h07
